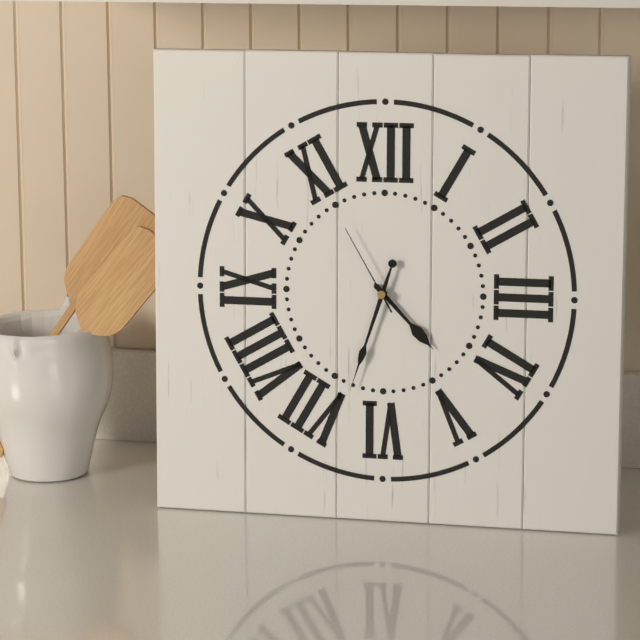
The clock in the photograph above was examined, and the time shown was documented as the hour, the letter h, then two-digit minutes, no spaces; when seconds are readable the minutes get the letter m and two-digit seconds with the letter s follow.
4h33m55s
